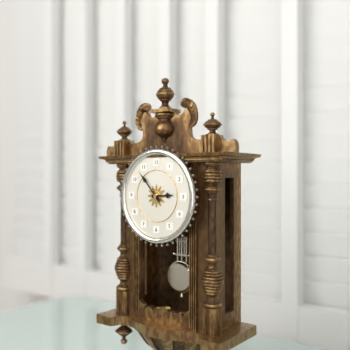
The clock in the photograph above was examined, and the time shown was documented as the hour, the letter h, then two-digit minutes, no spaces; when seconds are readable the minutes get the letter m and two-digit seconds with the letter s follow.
2h53
